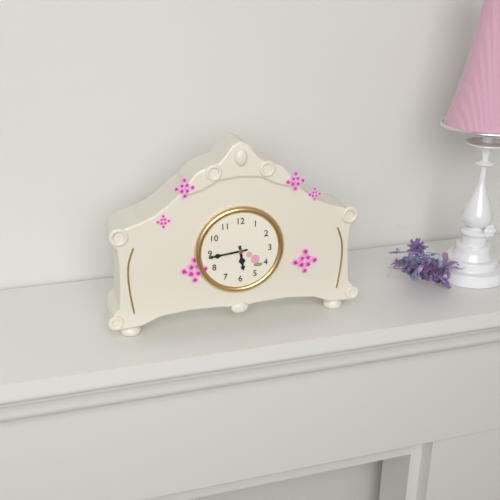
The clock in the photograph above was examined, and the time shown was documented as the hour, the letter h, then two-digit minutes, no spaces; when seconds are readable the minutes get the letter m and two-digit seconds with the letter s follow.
5h44
